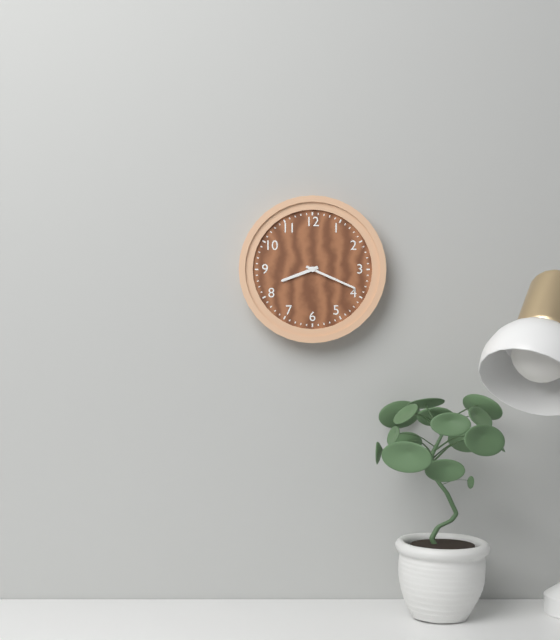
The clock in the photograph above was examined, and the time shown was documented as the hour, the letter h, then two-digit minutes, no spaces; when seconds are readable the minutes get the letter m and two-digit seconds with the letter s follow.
8h19
